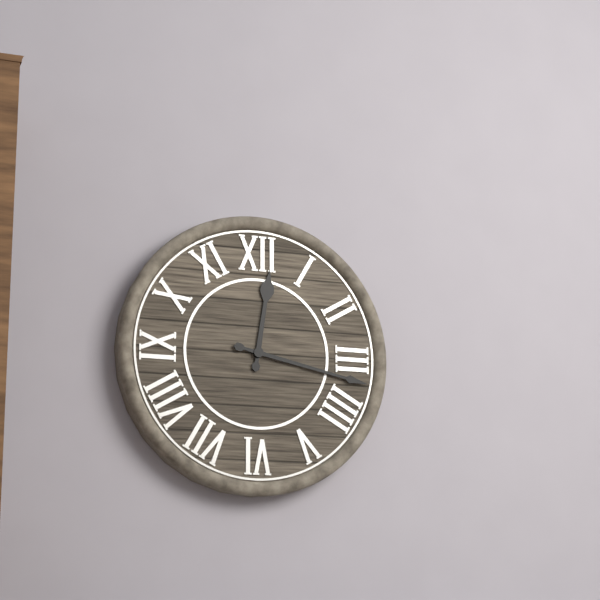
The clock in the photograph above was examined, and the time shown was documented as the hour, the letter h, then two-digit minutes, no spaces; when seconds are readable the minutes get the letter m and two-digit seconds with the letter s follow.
12h17
